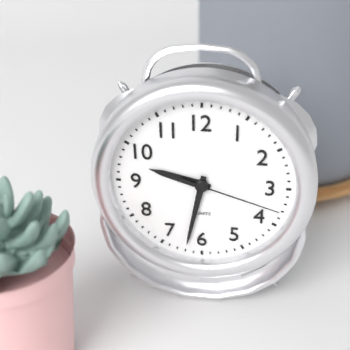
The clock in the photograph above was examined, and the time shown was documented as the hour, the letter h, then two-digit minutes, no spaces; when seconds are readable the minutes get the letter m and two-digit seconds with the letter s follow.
9h32m18s
